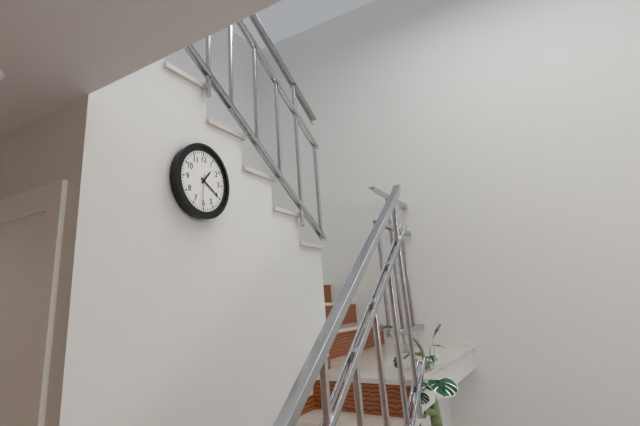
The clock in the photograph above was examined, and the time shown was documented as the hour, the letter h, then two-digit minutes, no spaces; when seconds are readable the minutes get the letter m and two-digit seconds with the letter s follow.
1h20
